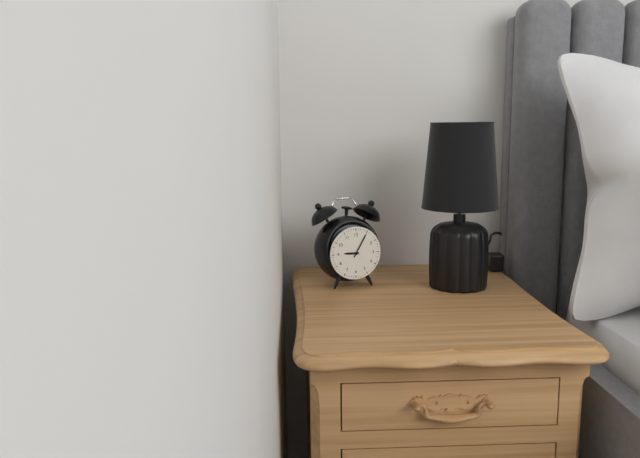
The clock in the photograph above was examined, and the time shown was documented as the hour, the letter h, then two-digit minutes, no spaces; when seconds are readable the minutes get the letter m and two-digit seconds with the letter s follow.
9h05
